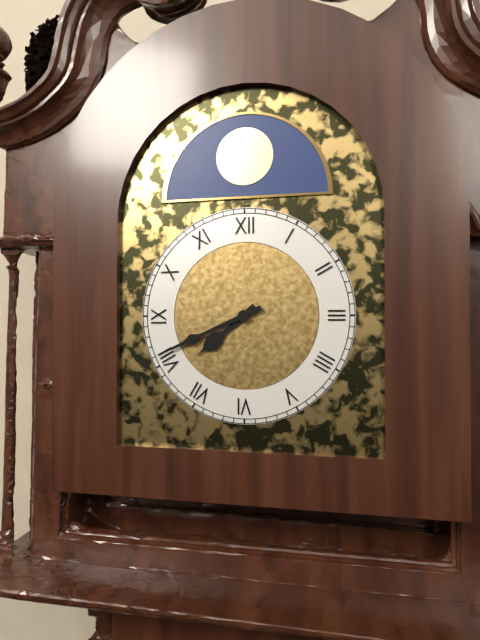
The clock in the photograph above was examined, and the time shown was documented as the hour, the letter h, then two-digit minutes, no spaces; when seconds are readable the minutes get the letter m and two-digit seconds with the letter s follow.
7h41
